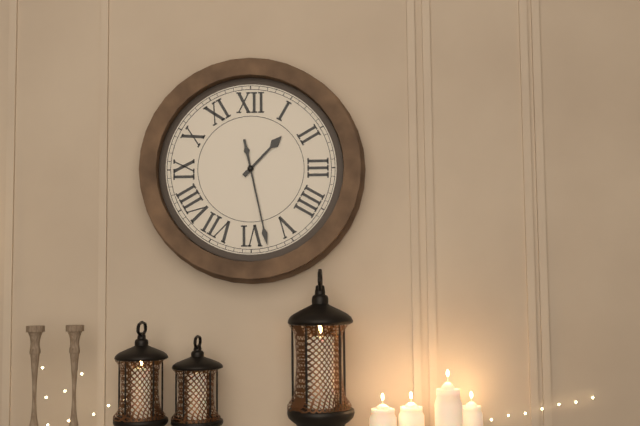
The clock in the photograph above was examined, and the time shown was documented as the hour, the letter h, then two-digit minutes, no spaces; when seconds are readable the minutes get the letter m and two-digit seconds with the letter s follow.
1h28
